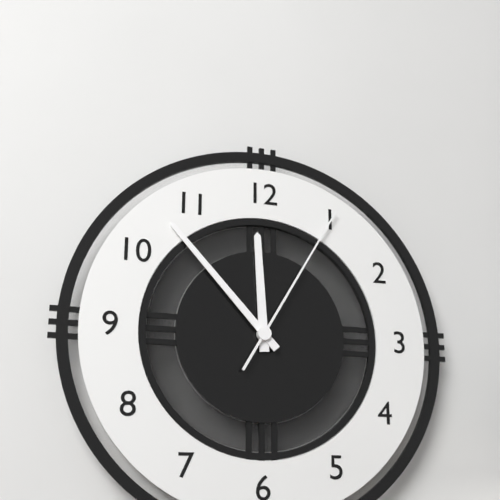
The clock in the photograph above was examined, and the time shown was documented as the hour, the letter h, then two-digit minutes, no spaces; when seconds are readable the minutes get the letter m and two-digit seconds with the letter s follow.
11h53m05s
